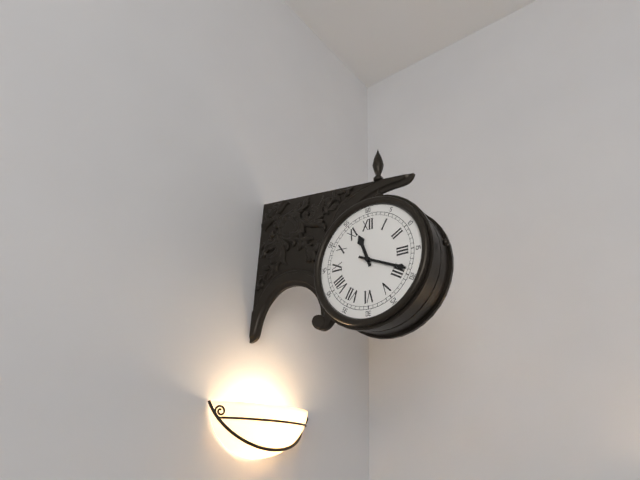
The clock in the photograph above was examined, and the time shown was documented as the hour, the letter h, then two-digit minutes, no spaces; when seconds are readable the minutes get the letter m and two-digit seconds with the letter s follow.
11h19
